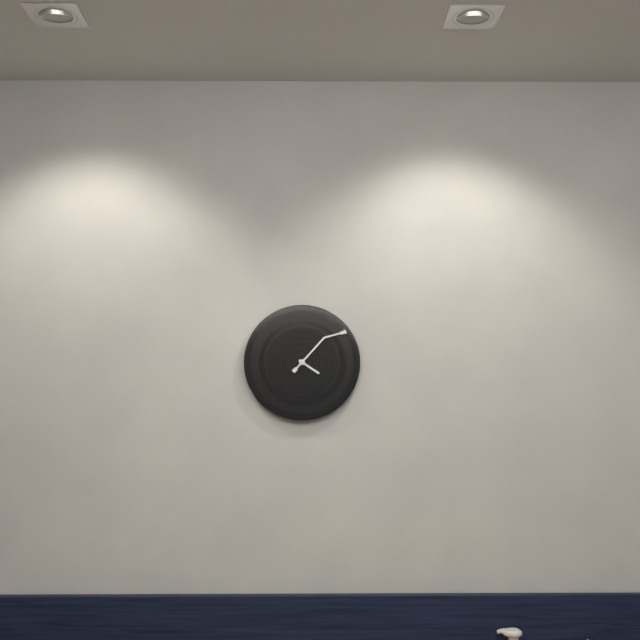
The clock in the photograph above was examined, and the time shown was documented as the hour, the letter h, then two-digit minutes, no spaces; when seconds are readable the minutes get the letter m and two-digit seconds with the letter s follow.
4h07
